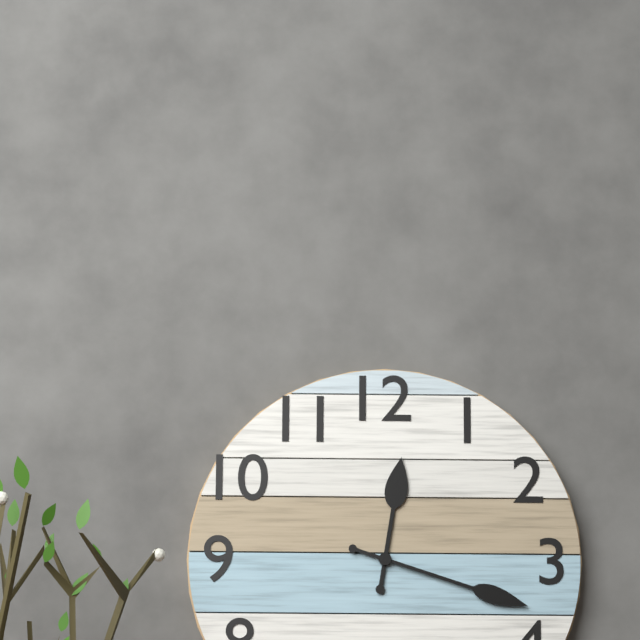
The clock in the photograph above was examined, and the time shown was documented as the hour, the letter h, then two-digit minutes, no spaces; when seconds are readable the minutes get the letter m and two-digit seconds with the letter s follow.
12h18
